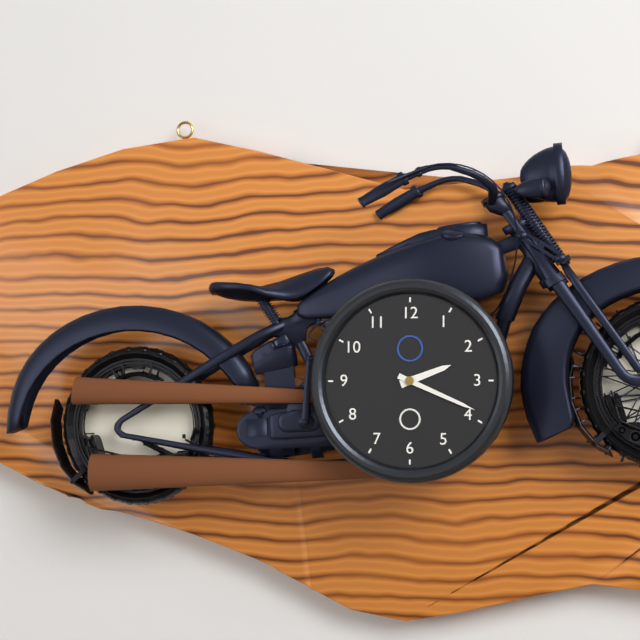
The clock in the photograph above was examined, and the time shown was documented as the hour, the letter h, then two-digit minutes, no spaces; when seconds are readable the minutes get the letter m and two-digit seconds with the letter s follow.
2h19
